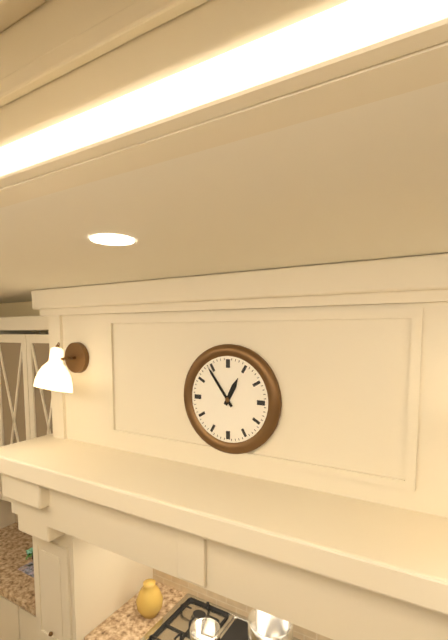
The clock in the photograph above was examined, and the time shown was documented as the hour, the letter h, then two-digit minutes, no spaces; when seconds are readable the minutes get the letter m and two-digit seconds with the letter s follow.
12h54
